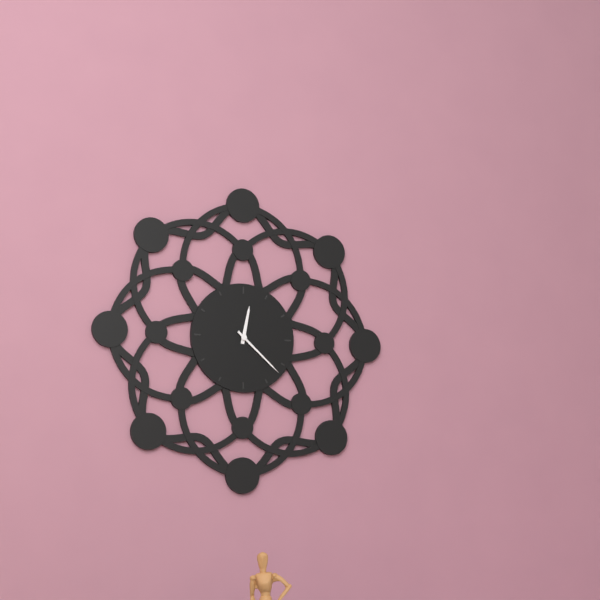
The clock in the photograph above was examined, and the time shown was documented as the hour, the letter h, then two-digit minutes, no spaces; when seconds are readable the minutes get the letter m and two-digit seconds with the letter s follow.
12h22
